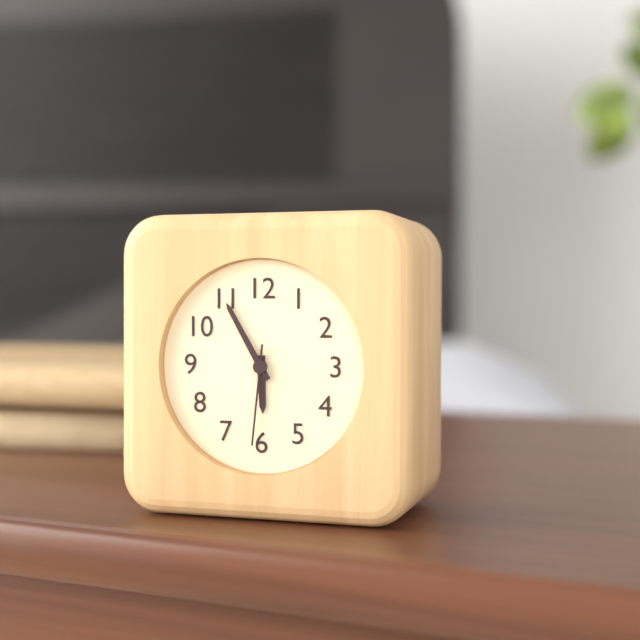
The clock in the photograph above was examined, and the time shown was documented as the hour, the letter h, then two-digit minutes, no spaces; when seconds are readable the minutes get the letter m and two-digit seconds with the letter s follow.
5h55m31s
